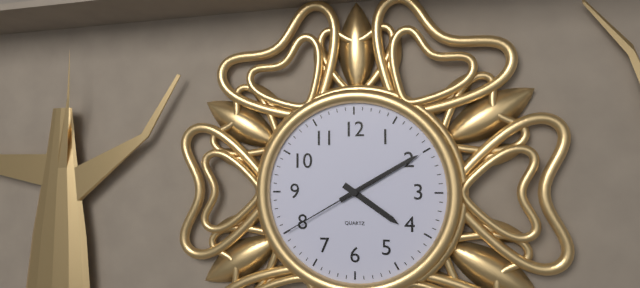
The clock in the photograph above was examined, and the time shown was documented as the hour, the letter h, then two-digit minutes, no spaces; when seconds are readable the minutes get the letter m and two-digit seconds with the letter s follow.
4h10m40s
